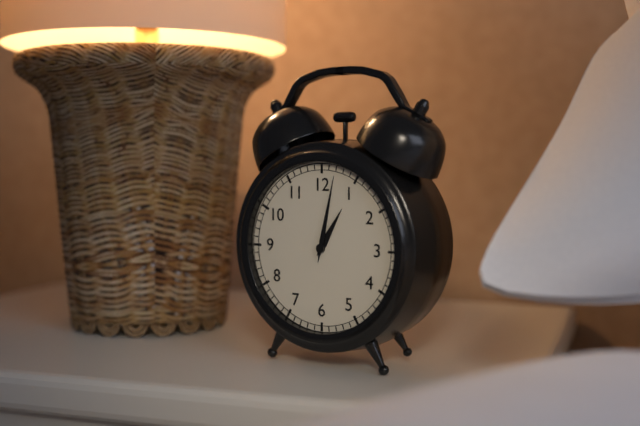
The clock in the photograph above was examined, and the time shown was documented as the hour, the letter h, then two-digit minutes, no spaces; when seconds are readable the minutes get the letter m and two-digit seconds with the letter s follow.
1h02
